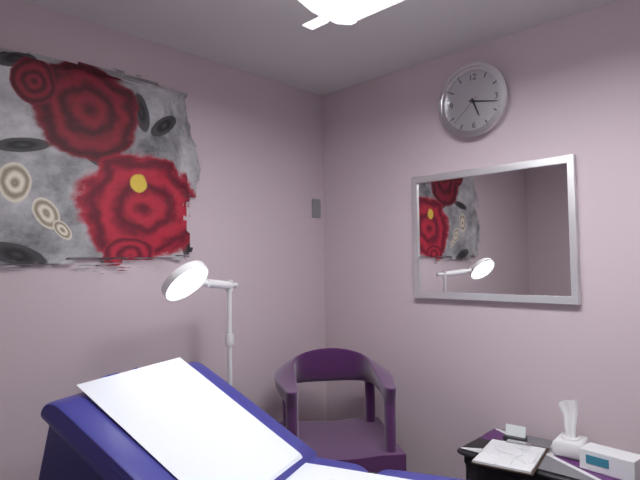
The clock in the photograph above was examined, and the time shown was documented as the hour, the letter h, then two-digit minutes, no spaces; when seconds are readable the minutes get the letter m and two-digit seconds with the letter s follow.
5h17
